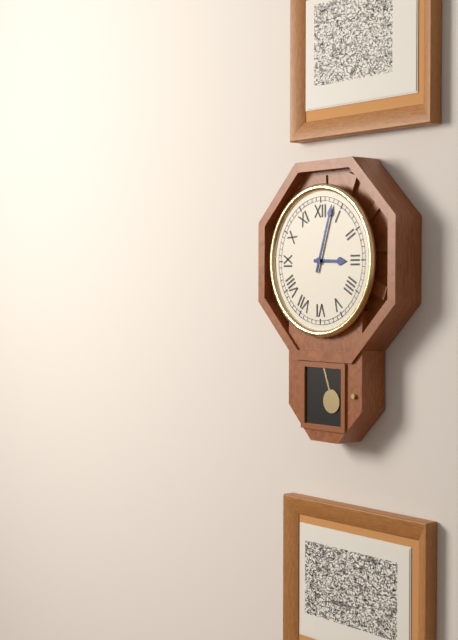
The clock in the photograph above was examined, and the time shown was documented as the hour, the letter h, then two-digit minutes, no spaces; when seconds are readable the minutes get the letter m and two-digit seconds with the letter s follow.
3h03
